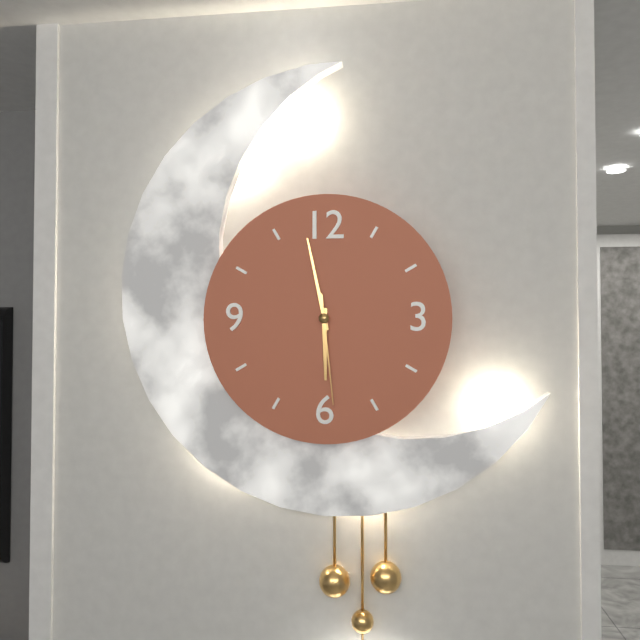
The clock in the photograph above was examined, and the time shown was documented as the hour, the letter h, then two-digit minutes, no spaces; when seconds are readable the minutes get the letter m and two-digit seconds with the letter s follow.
5h58m29s
